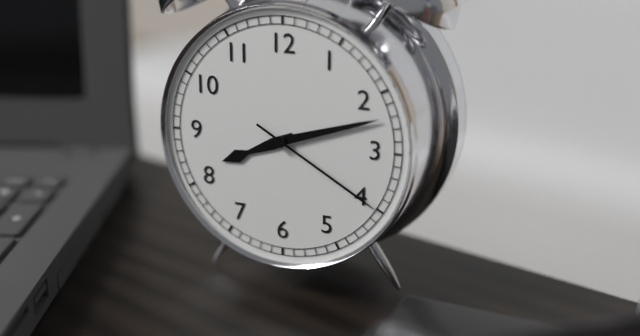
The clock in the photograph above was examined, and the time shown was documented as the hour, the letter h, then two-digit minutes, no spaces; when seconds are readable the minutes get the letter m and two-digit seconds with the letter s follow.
8h12m20s
